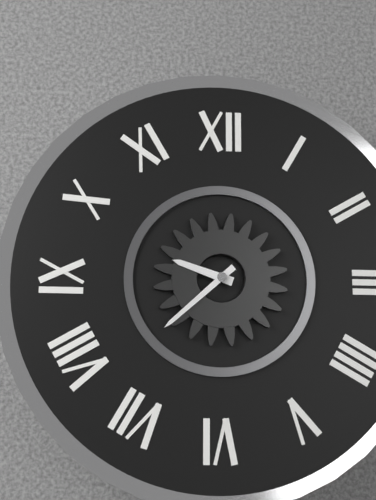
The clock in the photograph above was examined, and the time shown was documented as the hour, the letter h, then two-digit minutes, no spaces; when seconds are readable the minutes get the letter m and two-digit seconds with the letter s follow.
9h38
